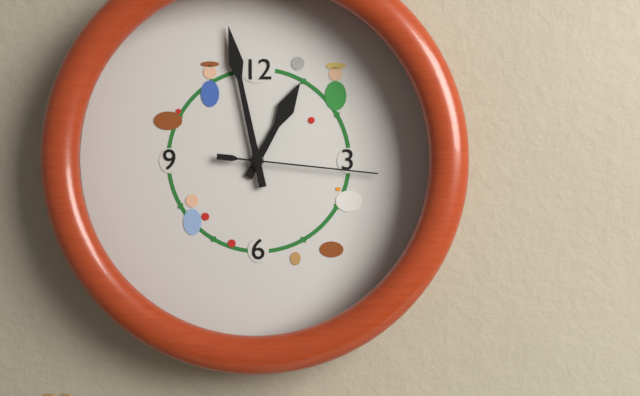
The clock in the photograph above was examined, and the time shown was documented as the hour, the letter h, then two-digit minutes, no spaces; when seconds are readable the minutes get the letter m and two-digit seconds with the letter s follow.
12h58m16s
